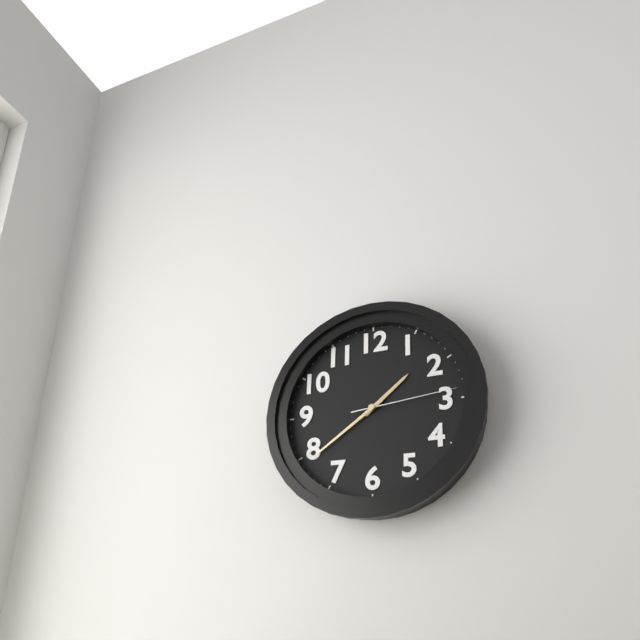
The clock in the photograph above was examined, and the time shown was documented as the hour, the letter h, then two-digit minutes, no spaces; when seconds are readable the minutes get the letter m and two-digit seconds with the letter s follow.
1h39m14s
